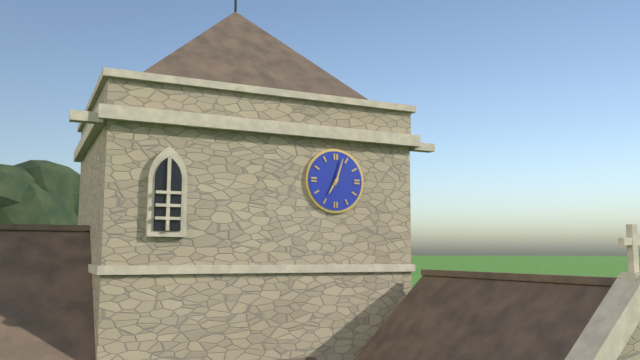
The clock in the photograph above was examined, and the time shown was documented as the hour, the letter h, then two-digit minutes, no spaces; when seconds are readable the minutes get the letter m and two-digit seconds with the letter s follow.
7h03
